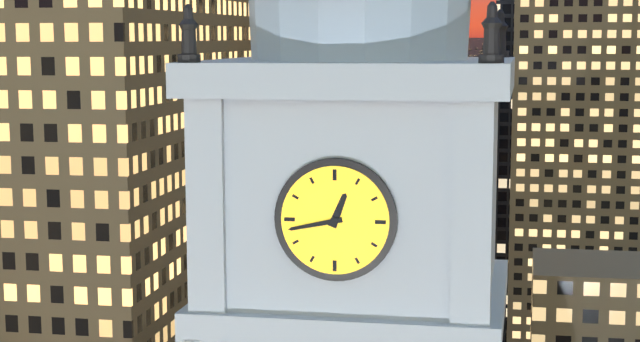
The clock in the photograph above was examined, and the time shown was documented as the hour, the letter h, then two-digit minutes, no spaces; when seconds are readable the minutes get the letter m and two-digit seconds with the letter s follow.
12h43
